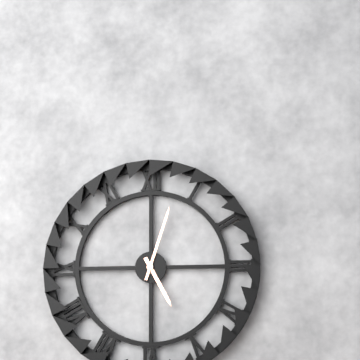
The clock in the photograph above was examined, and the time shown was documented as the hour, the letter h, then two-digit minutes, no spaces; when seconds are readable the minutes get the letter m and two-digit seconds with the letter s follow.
5h03
